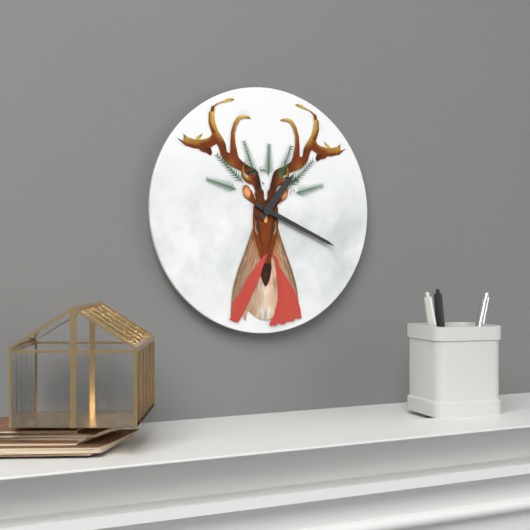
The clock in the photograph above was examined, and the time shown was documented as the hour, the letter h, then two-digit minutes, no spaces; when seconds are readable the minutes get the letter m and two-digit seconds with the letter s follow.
1h19
